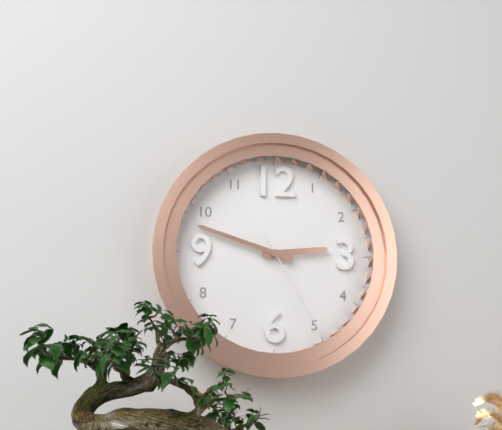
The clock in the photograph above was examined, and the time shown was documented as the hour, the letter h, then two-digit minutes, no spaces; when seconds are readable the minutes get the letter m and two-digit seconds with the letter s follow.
2h48m25s
